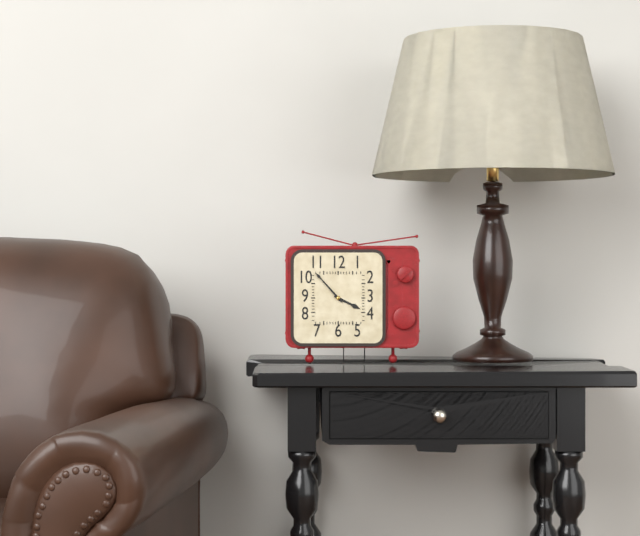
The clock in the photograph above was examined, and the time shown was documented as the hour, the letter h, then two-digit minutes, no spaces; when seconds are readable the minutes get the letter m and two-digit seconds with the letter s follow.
3h53
